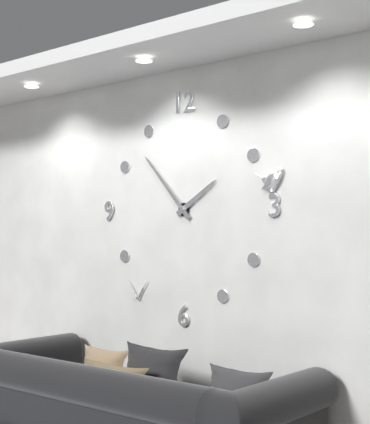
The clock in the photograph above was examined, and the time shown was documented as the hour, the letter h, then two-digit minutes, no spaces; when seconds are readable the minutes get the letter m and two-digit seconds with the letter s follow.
1h53
